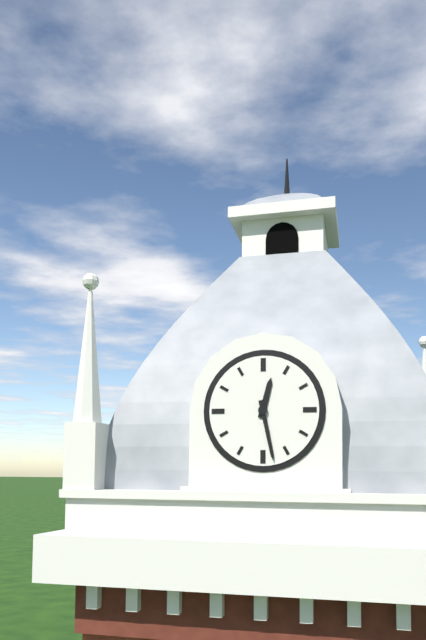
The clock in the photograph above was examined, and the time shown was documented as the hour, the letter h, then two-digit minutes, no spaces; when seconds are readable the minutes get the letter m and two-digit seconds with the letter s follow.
12h28
